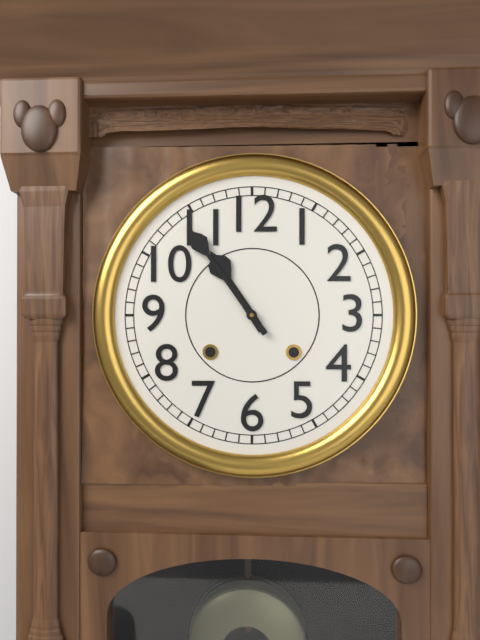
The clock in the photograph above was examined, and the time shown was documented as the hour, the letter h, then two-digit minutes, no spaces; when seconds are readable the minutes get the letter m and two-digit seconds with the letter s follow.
10h54
